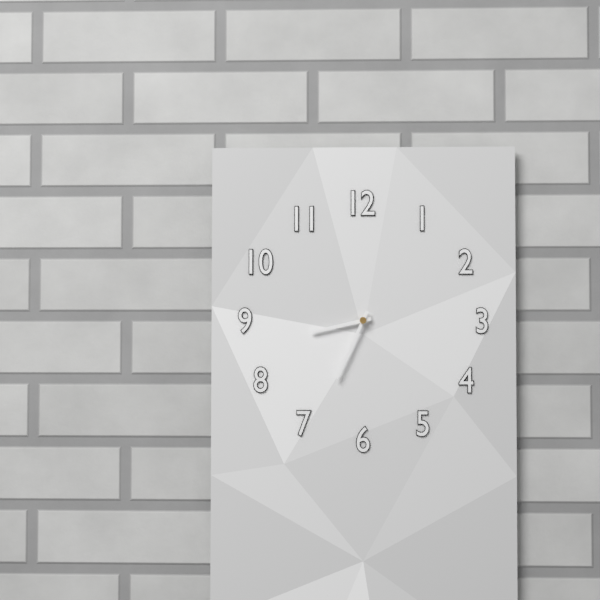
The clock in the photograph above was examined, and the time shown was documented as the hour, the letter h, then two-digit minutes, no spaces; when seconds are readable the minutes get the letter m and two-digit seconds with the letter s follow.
8h34
